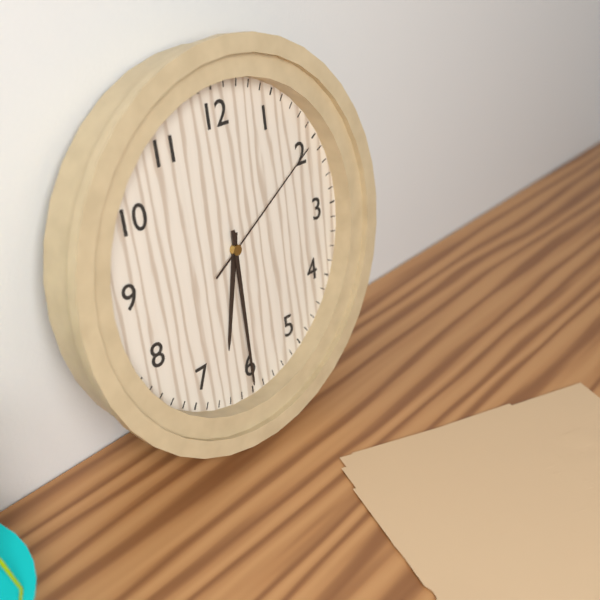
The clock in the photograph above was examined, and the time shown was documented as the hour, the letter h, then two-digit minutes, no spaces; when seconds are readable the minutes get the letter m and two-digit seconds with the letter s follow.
6h30m10s
